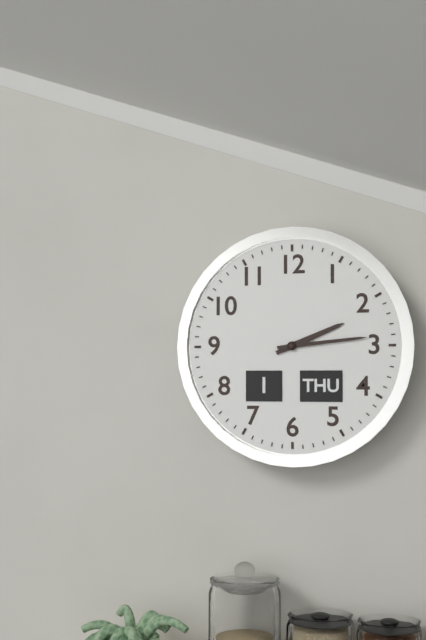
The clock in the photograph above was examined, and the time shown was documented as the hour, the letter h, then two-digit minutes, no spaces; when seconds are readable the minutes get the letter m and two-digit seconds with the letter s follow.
2h14
